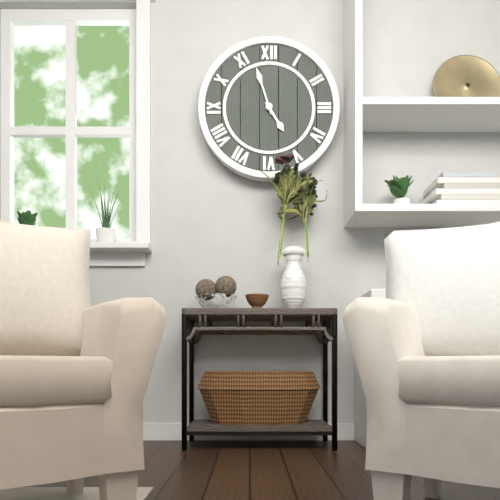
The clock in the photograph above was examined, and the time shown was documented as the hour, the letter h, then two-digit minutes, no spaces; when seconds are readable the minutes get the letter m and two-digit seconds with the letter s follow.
4h57
